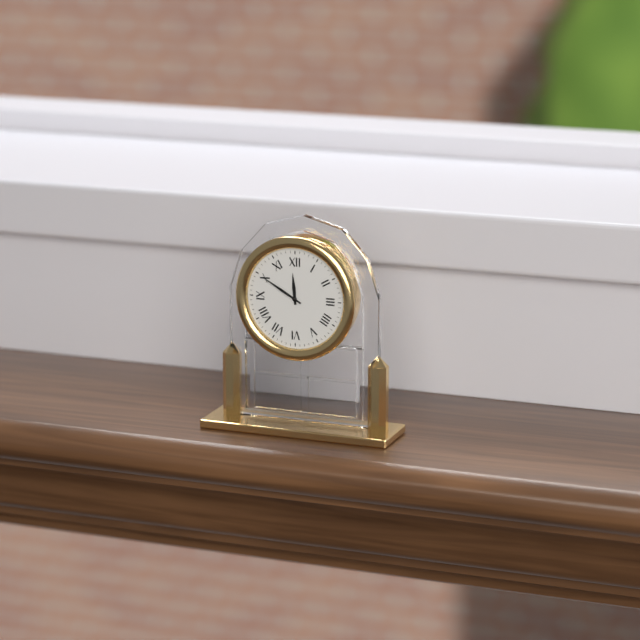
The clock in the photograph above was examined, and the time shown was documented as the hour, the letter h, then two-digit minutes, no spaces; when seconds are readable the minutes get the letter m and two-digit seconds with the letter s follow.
11h50
